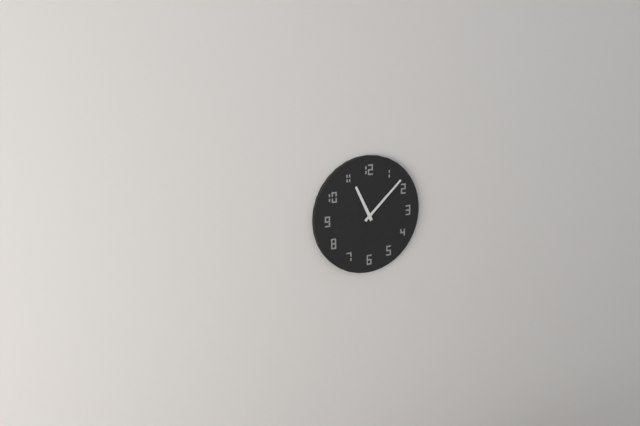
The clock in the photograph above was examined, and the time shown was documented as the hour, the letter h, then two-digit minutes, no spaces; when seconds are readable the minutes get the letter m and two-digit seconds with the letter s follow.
11h08
